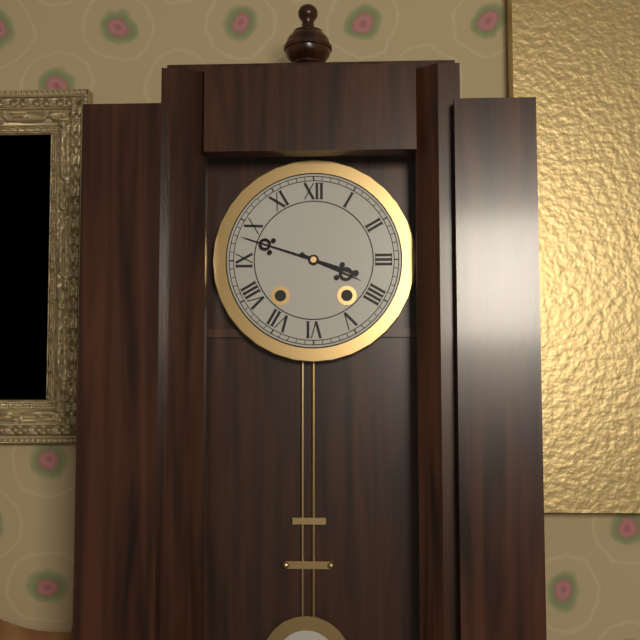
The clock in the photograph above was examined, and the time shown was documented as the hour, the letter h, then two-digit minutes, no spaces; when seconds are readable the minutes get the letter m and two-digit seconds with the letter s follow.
3h48
